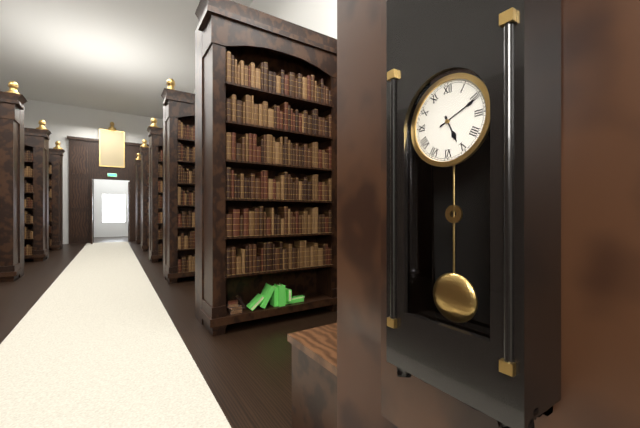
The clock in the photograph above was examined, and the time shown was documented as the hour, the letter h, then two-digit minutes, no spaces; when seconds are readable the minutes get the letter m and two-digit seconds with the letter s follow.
5h11
